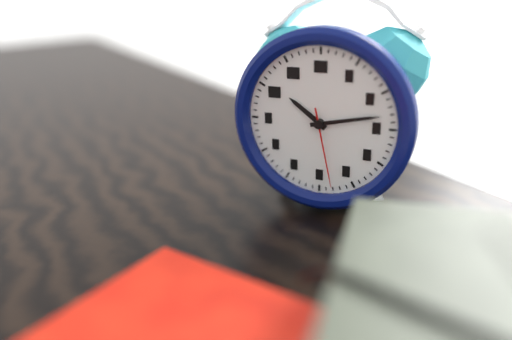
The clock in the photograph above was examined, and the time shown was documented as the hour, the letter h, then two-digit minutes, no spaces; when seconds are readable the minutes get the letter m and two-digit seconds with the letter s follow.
10h13m28s
